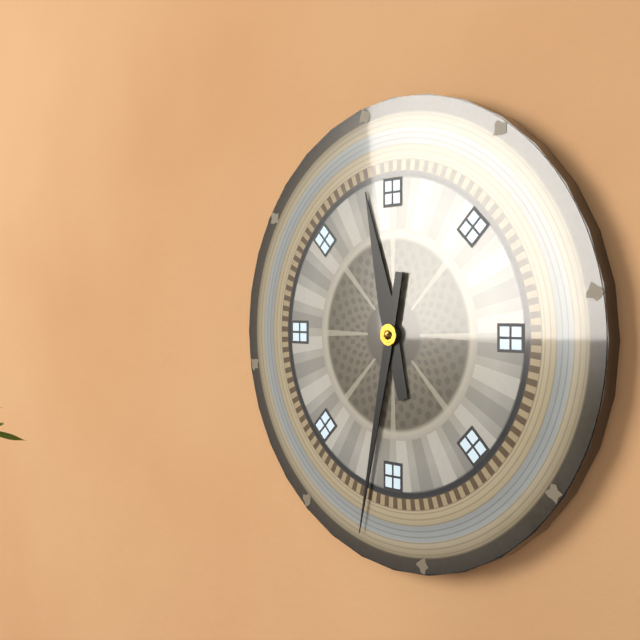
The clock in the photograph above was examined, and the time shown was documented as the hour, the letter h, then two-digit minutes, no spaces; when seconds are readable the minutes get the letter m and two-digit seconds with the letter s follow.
11h32
